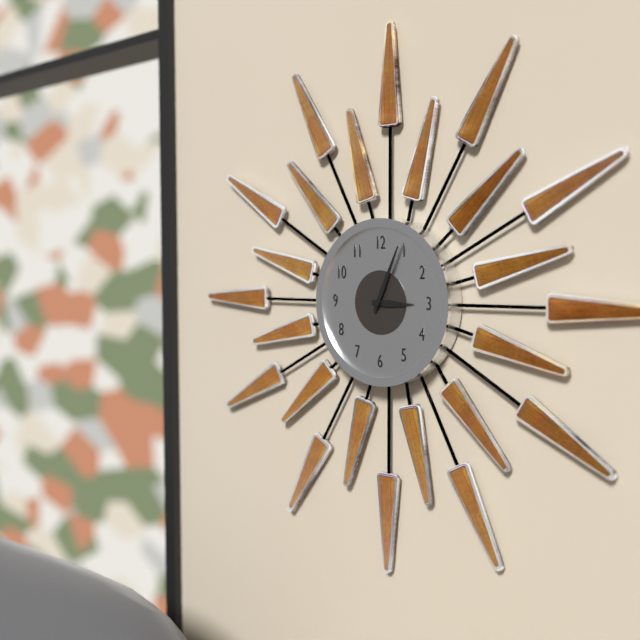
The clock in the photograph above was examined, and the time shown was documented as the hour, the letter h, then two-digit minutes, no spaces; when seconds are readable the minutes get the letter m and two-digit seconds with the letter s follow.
3h04
